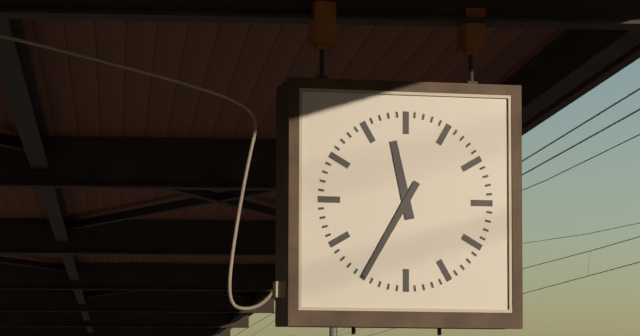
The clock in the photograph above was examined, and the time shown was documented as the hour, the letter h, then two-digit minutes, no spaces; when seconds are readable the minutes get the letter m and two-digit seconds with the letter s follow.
11h35
